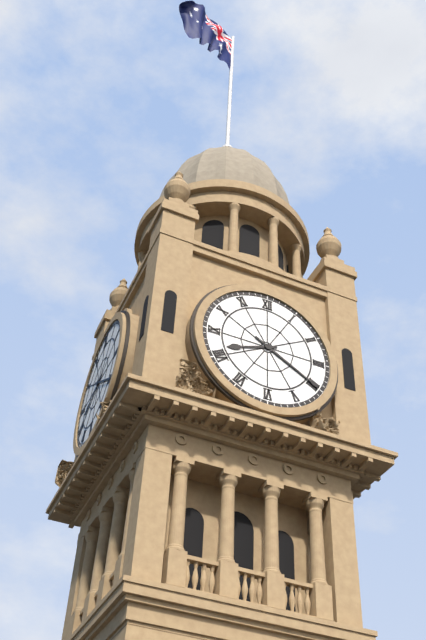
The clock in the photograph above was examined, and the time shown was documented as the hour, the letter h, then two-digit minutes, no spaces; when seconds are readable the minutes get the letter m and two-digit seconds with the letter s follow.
8h20
